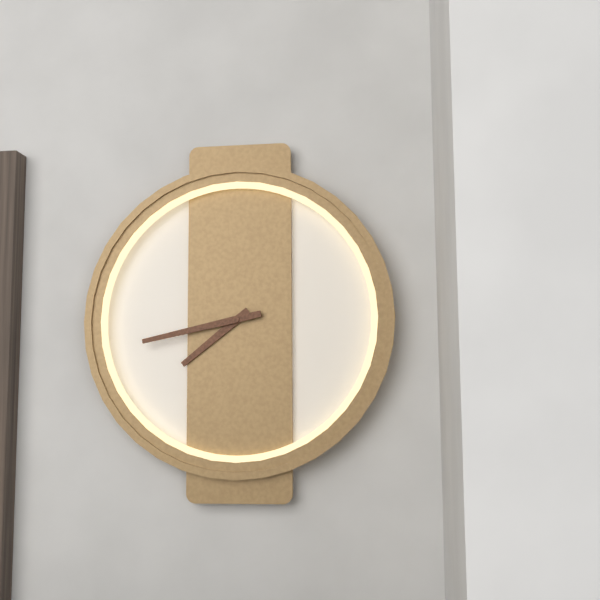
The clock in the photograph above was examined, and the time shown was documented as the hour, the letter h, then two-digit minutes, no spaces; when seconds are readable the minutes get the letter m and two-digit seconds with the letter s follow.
7h43
